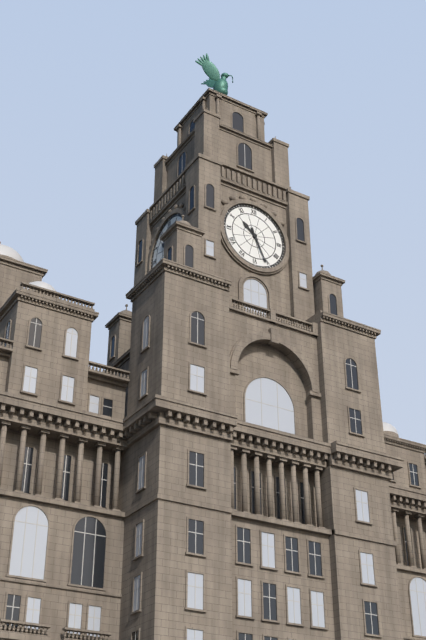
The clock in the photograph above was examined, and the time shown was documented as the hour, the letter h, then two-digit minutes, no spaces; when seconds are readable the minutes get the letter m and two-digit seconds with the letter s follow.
10h26
